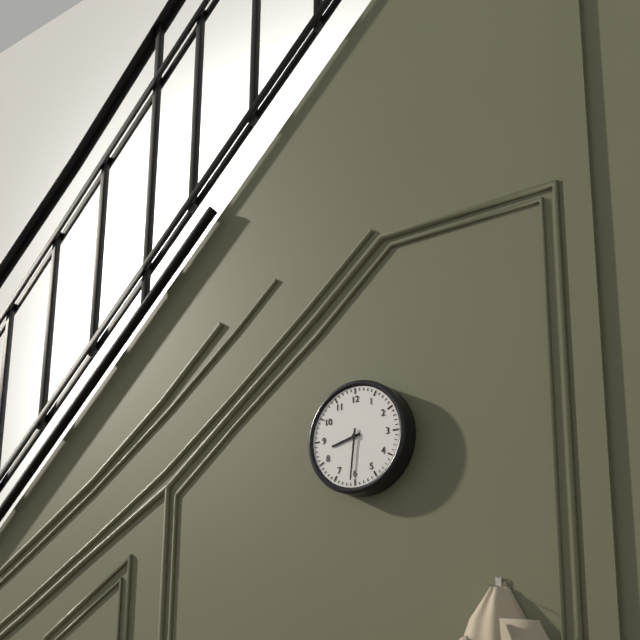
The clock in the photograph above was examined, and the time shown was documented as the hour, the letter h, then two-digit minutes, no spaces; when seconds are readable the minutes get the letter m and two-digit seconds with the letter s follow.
8h31
